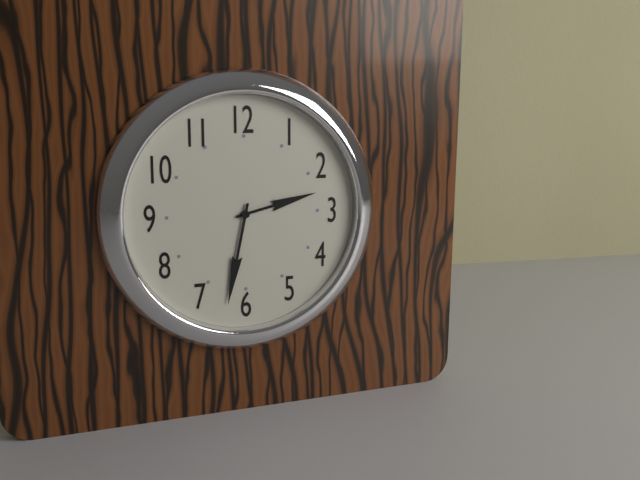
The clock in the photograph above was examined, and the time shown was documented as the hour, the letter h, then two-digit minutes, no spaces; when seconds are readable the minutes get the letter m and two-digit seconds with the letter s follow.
2h32
